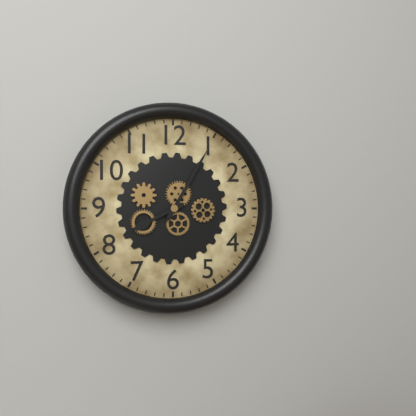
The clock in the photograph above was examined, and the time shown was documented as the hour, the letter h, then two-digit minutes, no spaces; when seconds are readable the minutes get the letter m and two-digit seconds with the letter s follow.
8h05
